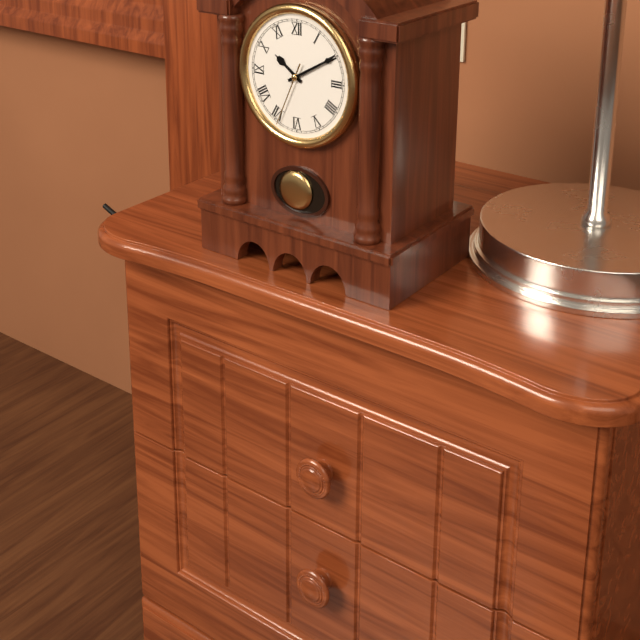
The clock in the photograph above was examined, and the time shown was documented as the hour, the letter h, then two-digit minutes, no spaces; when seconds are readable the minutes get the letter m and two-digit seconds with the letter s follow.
10h10m34s
